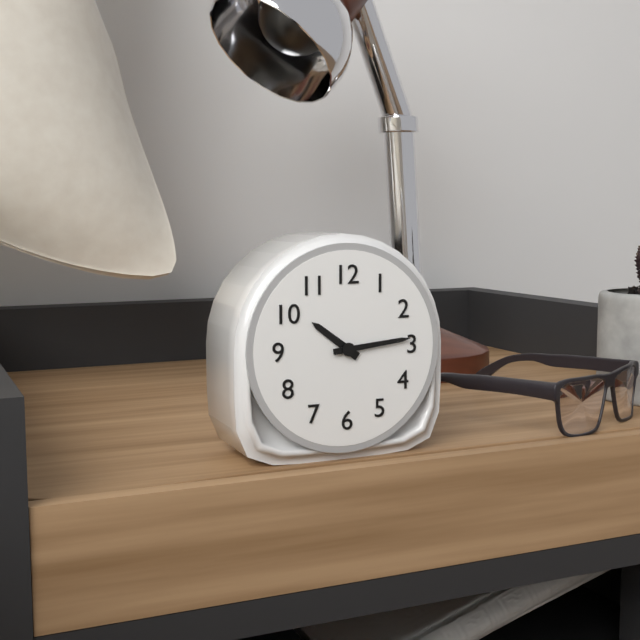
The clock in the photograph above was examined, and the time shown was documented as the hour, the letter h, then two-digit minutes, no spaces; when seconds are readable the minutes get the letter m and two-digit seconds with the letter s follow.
10h14
